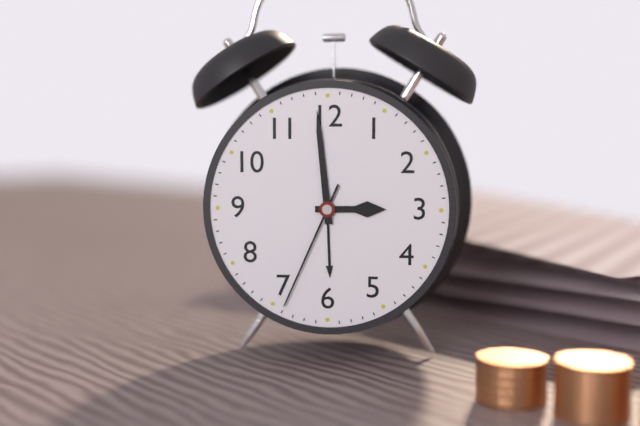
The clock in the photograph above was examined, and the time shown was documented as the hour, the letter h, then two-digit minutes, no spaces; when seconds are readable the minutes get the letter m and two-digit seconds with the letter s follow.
2h59m34s
